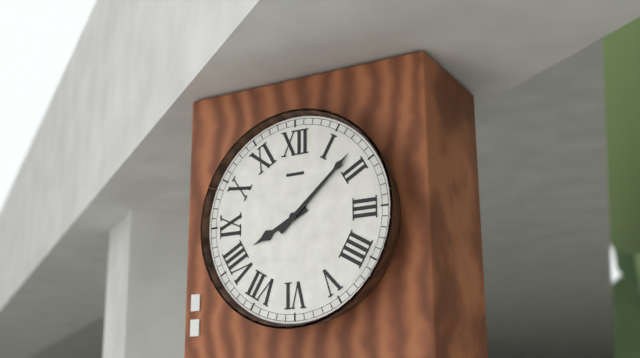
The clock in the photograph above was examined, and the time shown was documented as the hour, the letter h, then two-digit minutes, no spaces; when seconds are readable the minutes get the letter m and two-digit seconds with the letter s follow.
8h08
